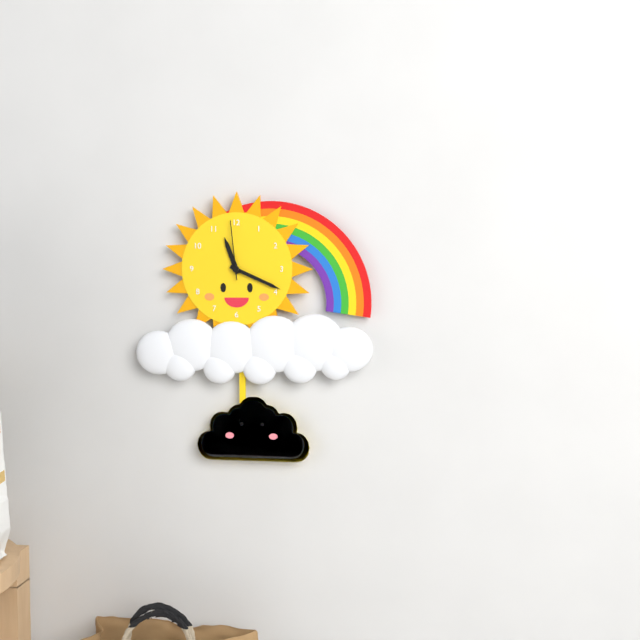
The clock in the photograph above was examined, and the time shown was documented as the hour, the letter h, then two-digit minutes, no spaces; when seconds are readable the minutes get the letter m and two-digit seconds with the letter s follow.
11h19m59s
